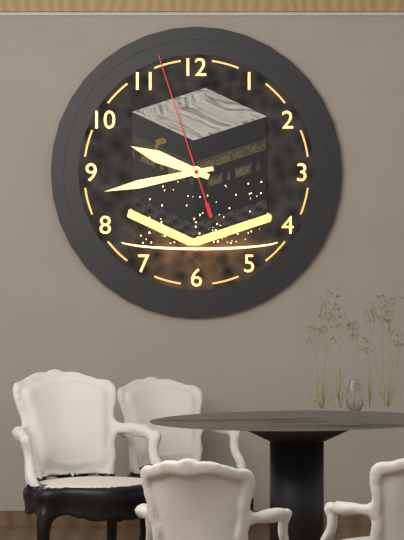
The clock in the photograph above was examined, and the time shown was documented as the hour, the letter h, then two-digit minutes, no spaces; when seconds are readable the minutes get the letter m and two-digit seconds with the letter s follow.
9h43m57s
